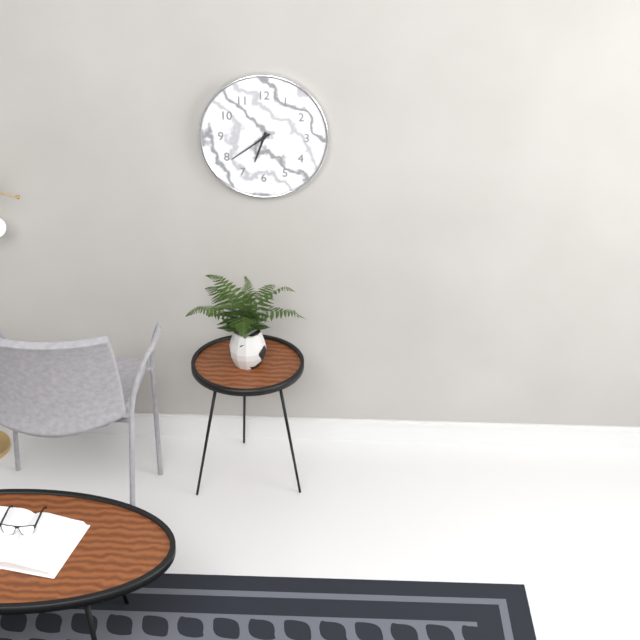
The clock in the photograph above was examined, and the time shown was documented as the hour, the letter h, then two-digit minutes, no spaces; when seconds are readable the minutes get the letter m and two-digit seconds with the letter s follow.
6h39
